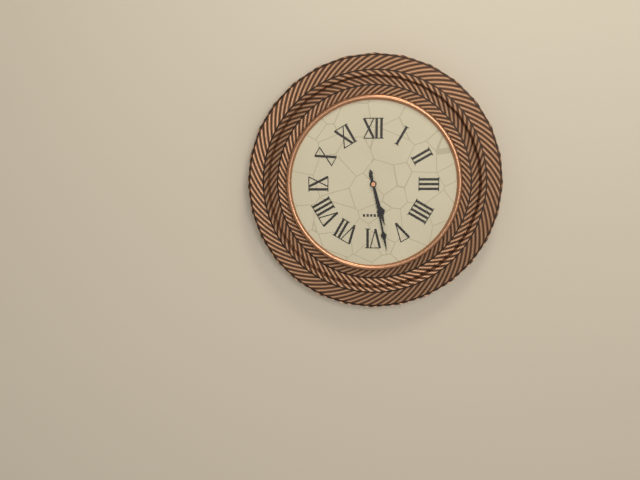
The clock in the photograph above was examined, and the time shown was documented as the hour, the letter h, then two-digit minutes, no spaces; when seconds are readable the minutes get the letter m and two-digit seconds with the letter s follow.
5h28
